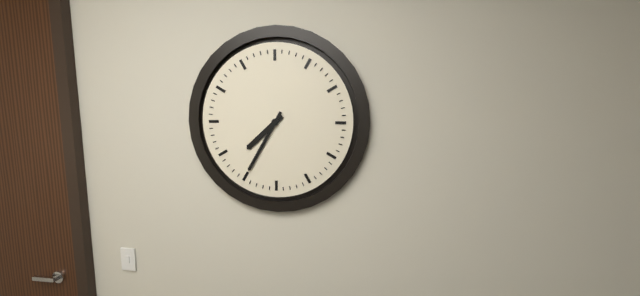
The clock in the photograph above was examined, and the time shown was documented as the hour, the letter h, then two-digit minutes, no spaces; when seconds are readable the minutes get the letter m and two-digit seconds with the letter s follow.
7h35
